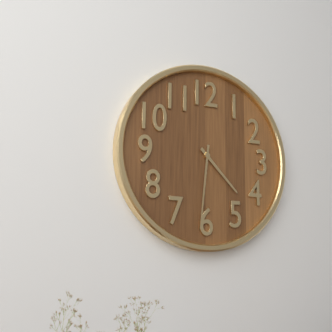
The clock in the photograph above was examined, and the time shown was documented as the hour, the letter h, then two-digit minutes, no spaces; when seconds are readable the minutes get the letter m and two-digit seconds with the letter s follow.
4h31
